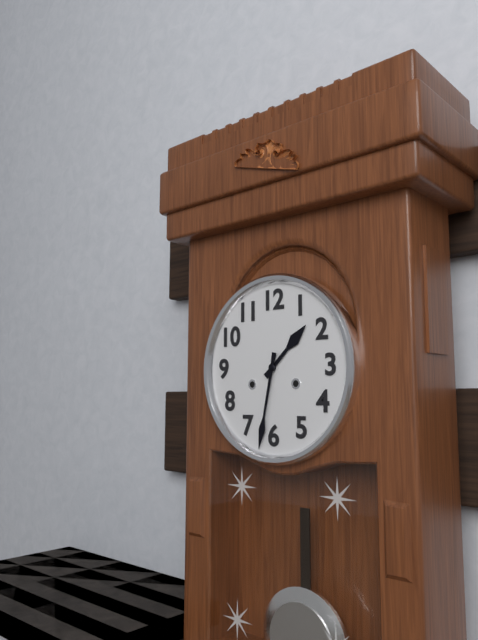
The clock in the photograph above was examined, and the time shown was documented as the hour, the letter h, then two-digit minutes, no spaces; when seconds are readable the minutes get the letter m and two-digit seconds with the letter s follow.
1h32
